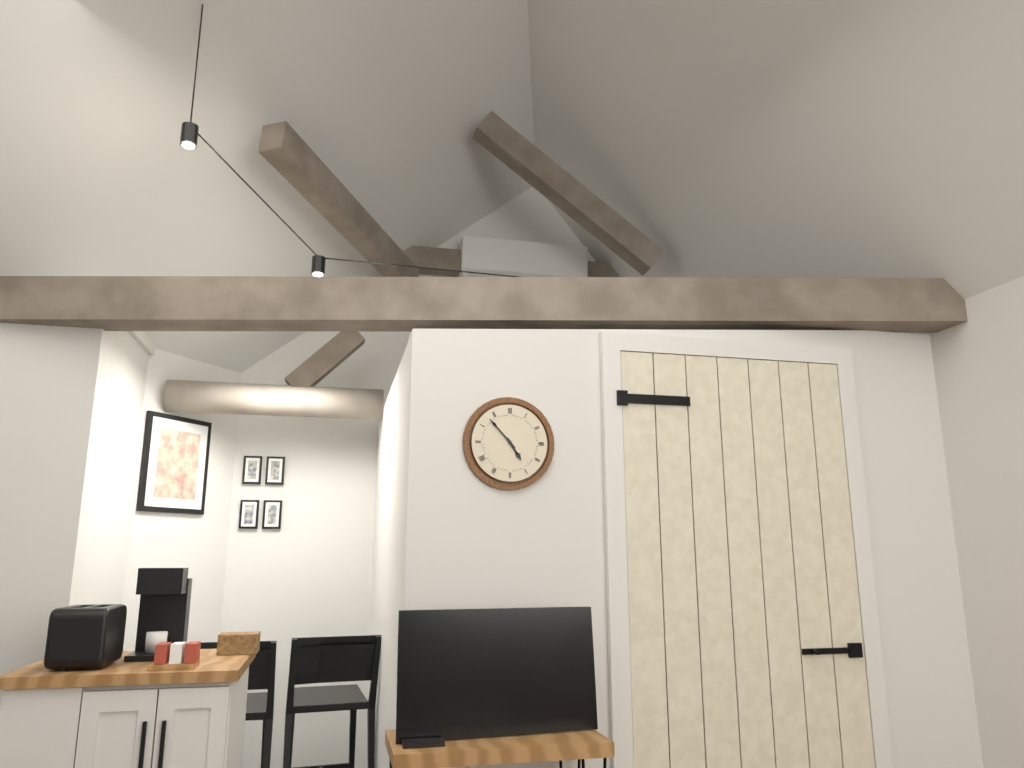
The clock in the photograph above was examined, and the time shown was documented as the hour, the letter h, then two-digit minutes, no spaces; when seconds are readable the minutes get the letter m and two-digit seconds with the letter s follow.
4h53
